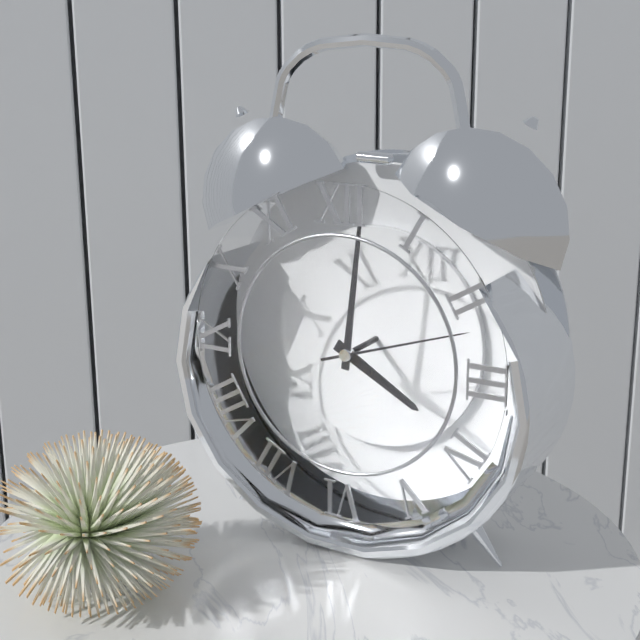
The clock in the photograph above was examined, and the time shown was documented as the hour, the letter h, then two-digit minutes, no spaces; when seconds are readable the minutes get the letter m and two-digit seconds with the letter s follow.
4h01m12s
